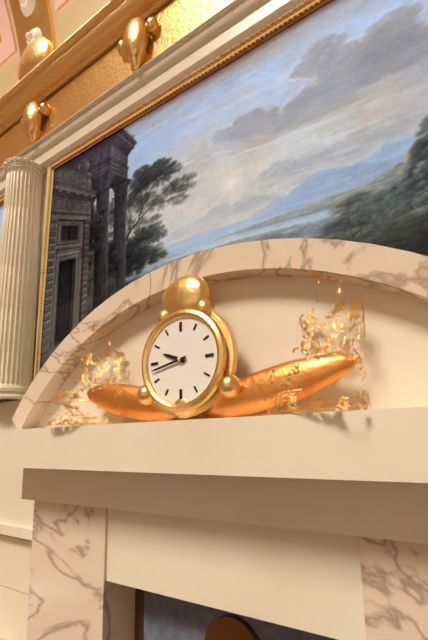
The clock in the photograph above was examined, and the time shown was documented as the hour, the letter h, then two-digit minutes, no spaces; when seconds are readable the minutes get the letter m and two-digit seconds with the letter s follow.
9h43
